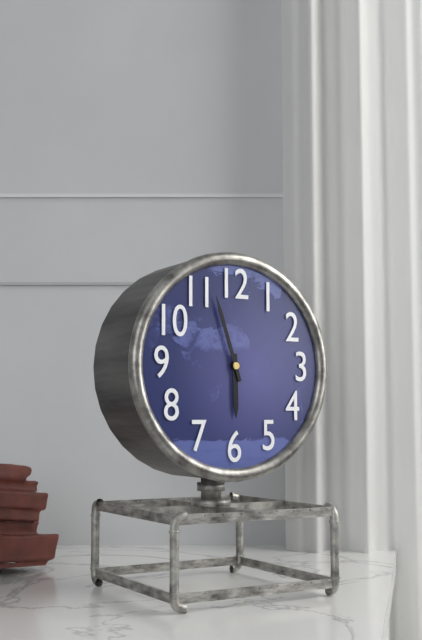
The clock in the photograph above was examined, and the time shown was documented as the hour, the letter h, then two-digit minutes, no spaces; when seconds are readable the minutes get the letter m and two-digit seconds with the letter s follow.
5h57
